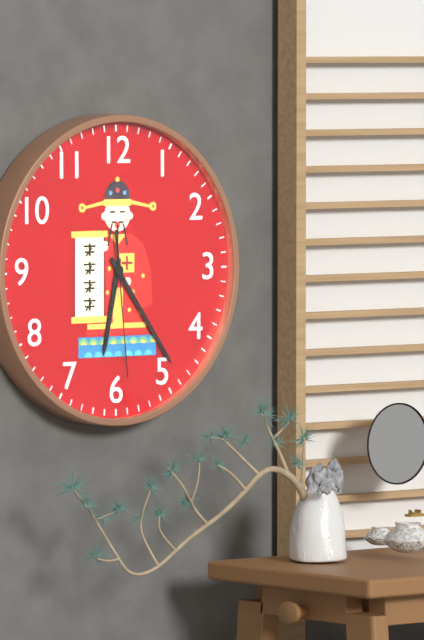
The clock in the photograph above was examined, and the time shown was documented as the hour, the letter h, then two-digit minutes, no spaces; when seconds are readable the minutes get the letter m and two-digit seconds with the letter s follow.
6h24m29s
